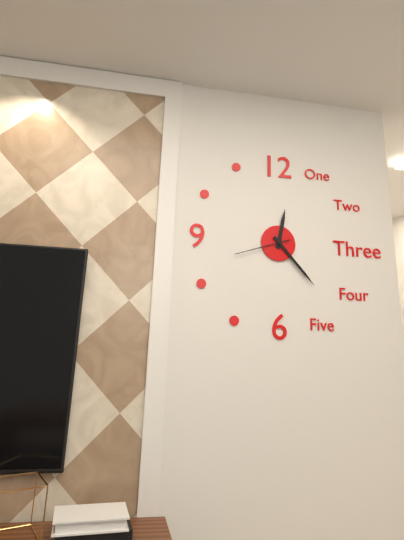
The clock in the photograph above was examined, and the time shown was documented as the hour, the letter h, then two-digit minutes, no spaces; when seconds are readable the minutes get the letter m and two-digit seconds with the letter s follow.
12h23m42s
